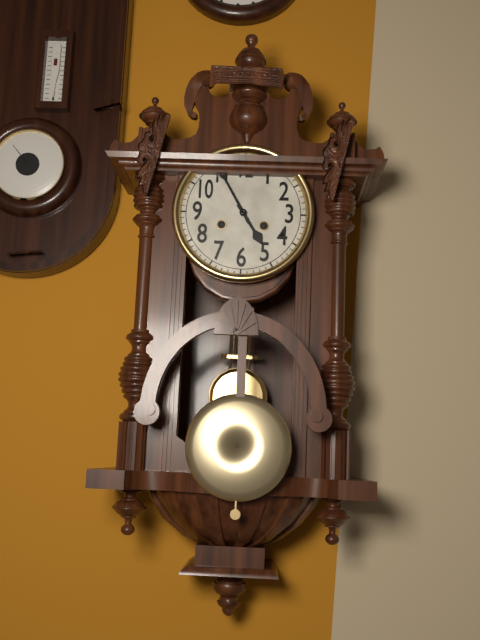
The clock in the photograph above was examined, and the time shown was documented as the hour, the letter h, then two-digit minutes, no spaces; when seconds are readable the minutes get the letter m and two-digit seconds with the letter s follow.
4h55
